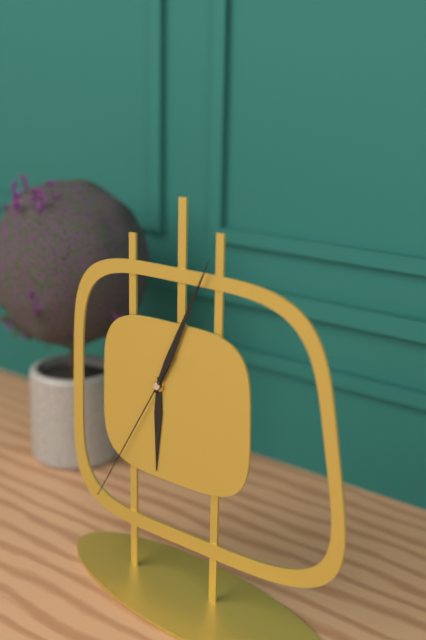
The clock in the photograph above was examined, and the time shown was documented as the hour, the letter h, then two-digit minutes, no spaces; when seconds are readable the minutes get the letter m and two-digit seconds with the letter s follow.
6h04m35s
